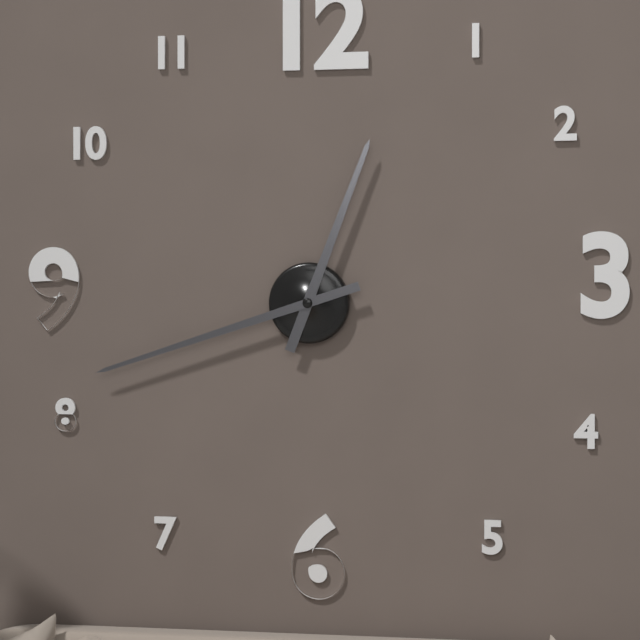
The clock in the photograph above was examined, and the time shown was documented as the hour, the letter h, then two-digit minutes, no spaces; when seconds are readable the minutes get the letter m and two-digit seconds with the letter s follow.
12h42
